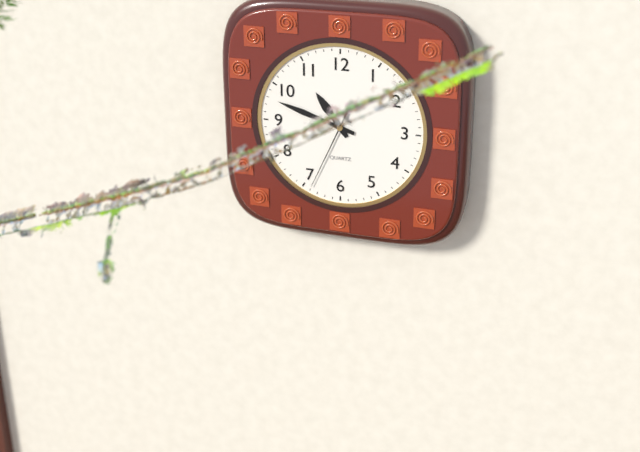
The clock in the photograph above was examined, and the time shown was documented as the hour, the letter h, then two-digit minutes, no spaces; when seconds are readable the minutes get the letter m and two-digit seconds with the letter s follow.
10h48m34s
